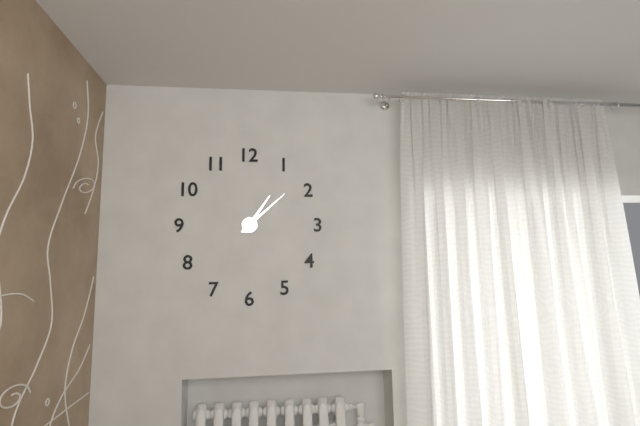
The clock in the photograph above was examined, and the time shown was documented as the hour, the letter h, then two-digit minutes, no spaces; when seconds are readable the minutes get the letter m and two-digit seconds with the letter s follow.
1h08
